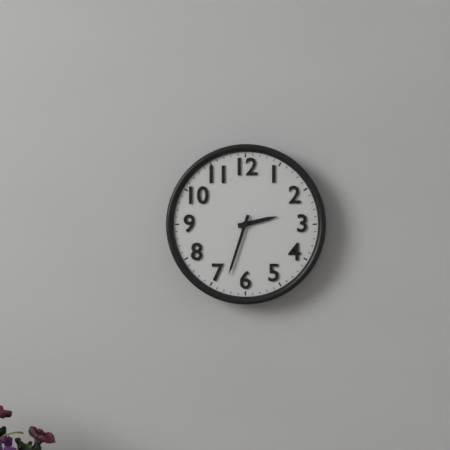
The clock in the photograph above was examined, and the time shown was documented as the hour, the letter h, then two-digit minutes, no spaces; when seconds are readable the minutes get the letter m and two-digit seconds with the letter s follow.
2h33
